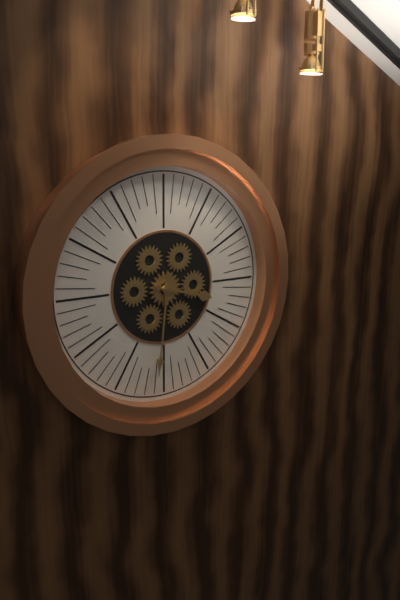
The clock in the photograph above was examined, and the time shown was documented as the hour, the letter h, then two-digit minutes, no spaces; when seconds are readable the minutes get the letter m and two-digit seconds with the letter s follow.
3h31
